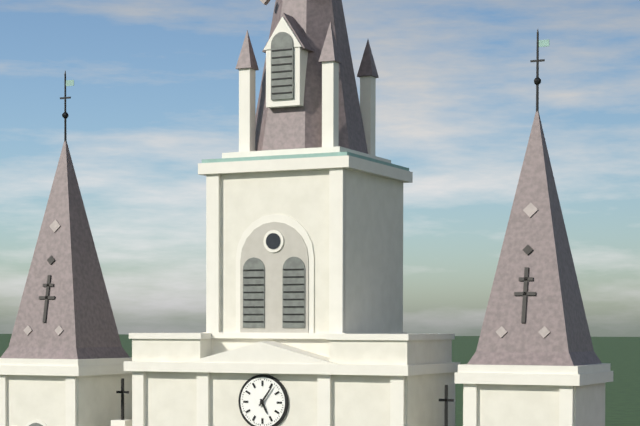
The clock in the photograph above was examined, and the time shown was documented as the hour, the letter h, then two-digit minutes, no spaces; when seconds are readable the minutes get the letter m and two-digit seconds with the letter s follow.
5h06
